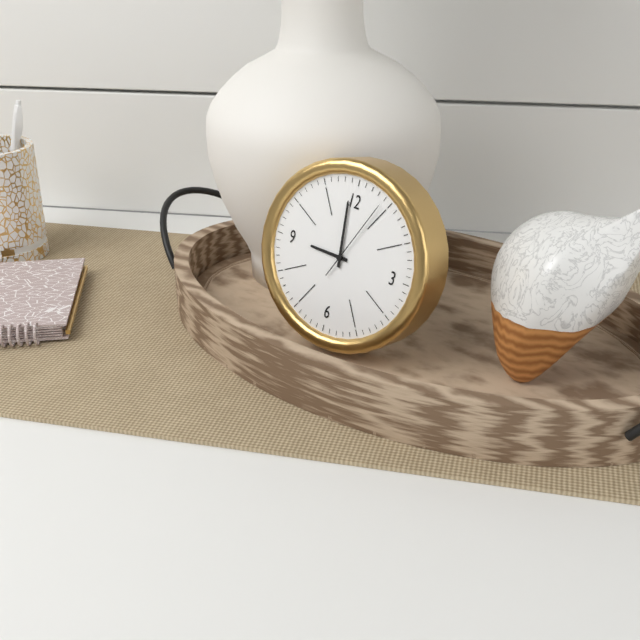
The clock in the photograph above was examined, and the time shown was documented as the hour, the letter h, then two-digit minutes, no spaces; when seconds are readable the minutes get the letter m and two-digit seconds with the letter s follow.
8h59m04s
